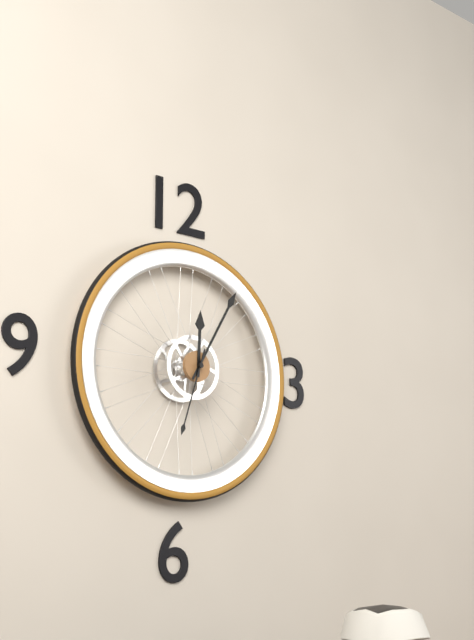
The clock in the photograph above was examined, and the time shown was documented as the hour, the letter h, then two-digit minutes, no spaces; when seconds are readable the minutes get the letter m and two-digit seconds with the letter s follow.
12h05m33s
